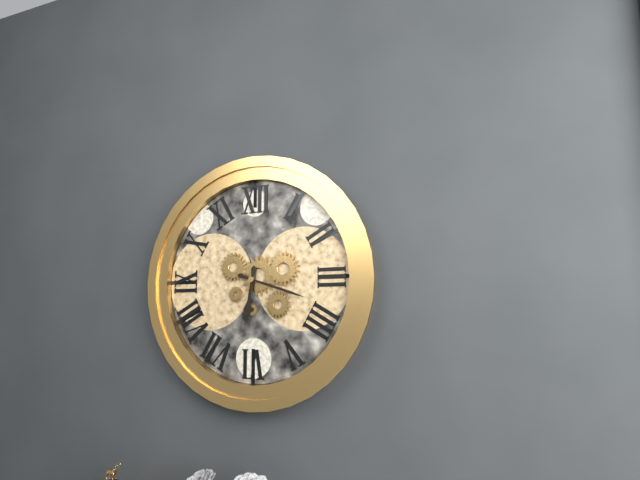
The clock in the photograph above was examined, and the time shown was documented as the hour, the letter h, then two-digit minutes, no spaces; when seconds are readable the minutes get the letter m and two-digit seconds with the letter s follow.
6h18
